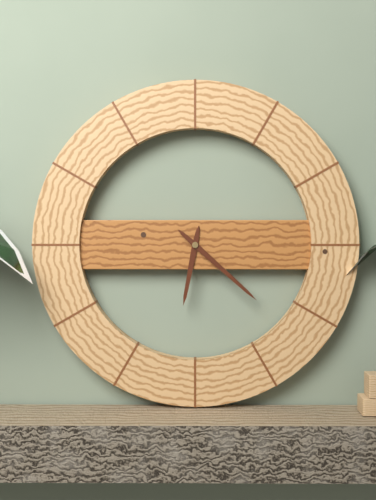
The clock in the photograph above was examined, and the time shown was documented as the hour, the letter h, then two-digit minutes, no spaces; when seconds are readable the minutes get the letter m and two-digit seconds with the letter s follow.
6h22
